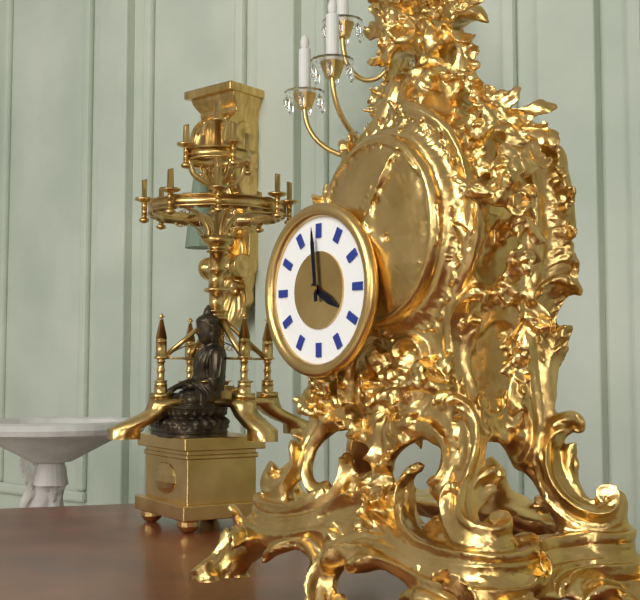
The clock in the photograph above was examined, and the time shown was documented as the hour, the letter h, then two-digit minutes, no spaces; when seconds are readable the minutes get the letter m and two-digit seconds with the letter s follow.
3h59
